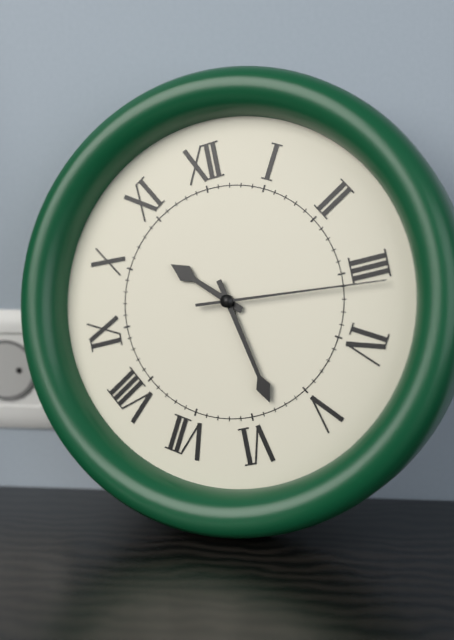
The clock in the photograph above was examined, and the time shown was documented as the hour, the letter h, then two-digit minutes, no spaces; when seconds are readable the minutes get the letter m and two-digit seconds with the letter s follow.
10h28m16s
